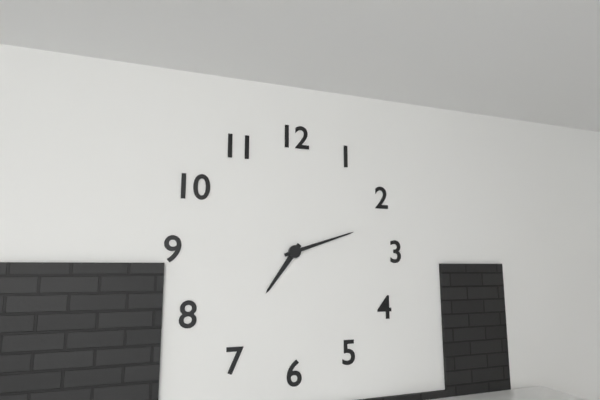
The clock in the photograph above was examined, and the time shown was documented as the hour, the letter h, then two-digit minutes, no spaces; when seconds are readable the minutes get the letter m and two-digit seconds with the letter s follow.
7h12
